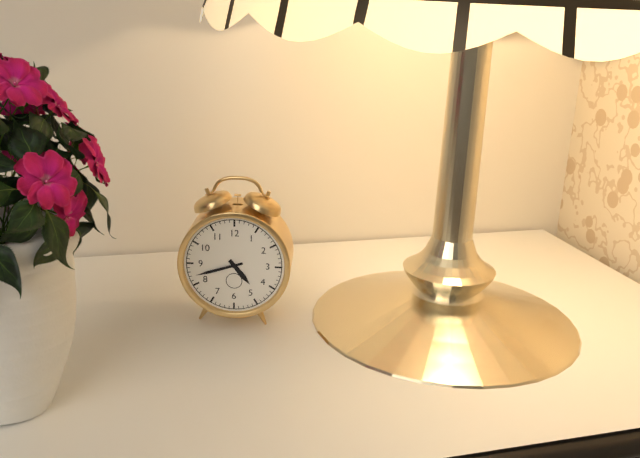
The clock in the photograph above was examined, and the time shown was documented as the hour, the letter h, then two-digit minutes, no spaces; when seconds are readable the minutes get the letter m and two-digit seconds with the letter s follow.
4h42
